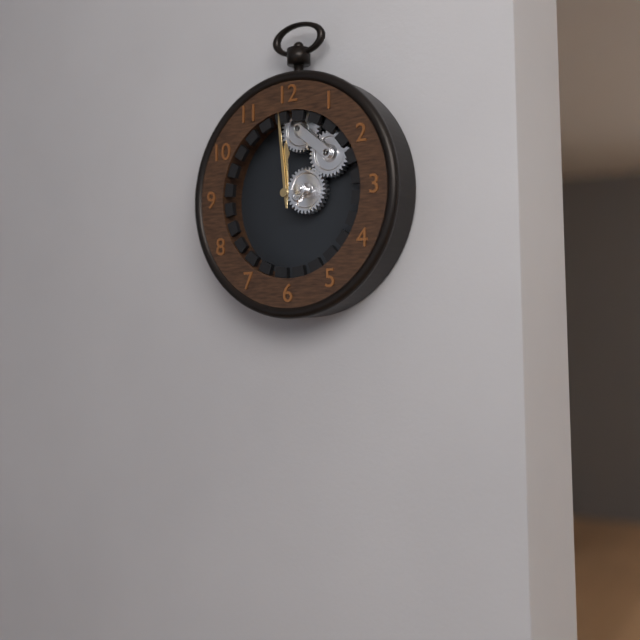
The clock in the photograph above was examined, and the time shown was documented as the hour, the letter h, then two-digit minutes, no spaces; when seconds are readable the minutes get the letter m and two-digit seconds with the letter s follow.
11h59
